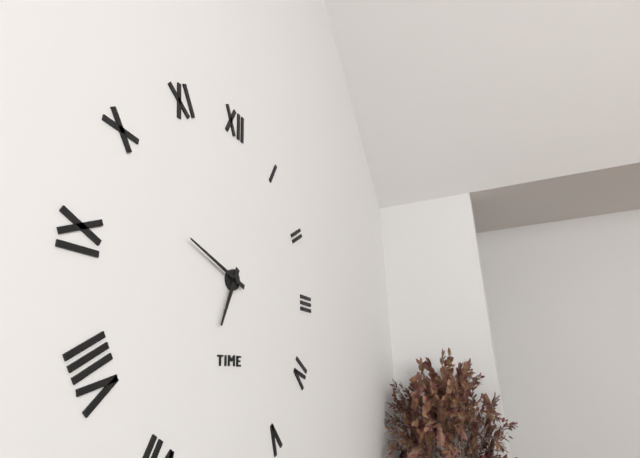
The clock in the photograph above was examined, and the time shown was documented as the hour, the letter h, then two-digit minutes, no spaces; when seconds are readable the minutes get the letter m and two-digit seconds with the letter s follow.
6h48
